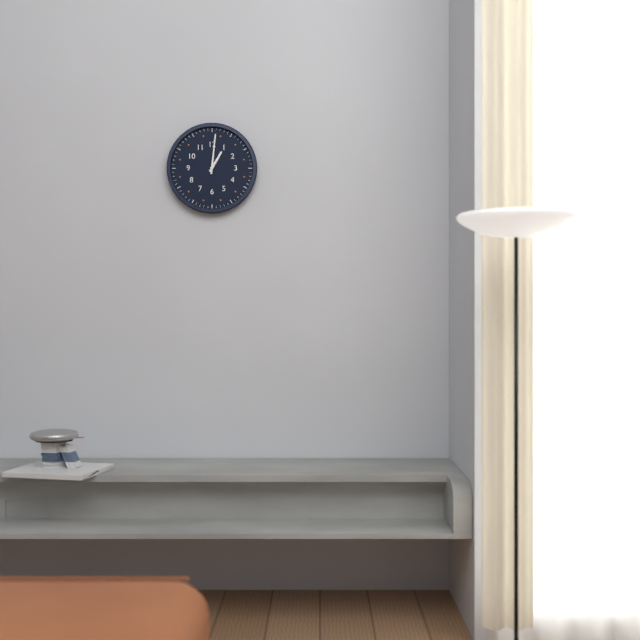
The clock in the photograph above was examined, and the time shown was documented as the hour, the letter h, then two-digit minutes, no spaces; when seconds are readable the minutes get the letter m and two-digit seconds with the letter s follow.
1h01
